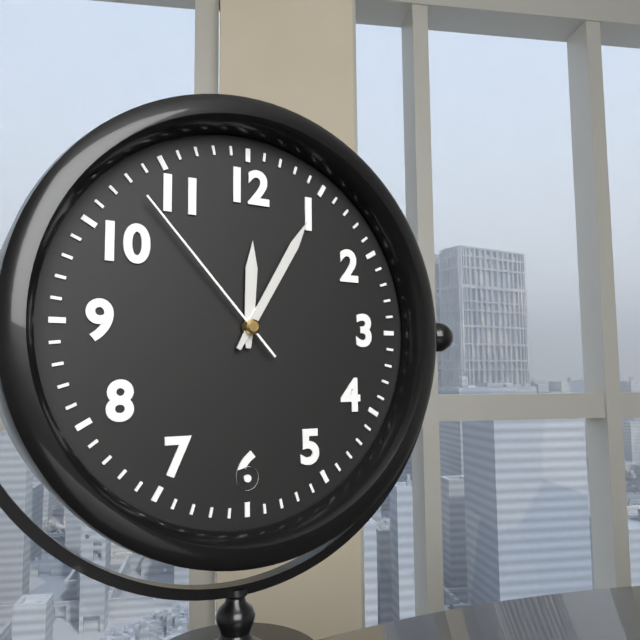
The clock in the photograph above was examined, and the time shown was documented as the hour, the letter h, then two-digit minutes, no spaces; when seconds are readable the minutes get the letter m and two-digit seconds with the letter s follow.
12h05m53s
